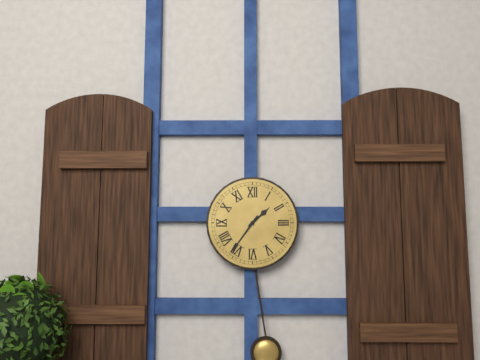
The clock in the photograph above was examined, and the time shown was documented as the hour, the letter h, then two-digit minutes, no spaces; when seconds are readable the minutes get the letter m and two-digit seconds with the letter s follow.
1h36
